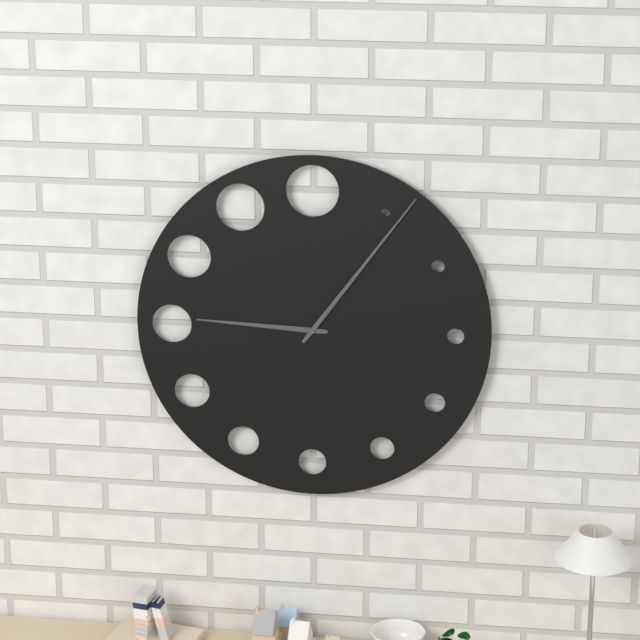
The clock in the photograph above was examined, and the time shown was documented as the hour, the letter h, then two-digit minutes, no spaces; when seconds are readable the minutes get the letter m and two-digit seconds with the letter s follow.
9h06
